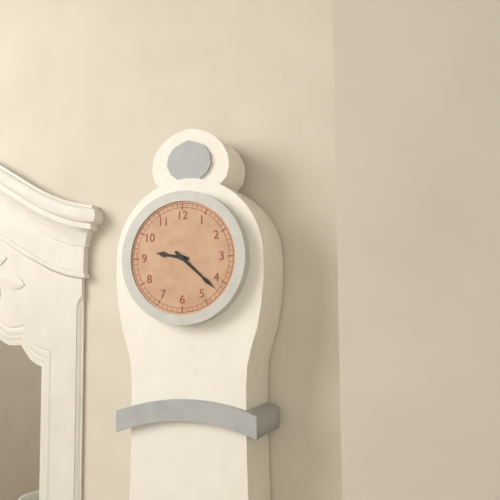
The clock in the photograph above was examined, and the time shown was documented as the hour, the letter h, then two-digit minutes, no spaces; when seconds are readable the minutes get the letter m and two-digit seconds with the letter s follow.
9h22
